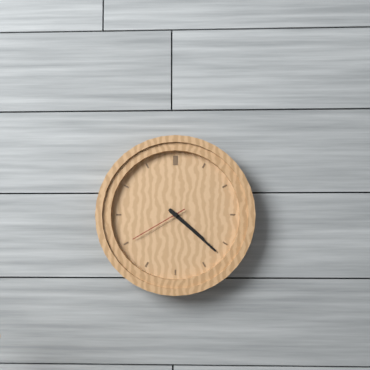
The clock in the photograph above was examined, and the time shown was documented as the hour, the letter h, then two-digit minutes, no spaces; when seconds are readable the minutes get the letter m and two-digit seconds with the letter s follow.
4h22m40s
